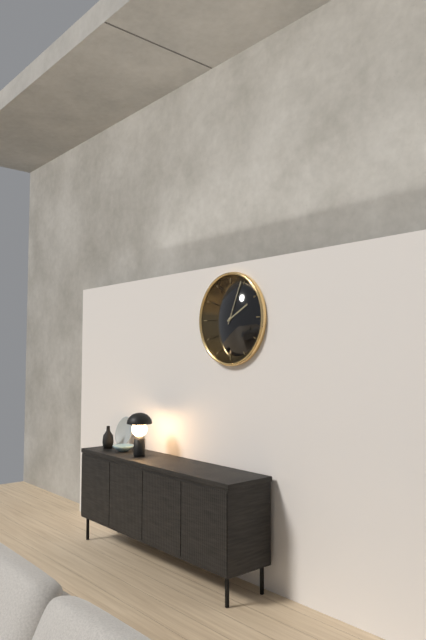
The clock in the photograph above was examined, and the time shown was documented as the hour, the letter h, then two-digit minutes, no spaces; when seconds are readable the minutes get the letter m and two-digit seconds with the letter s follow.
2h04
